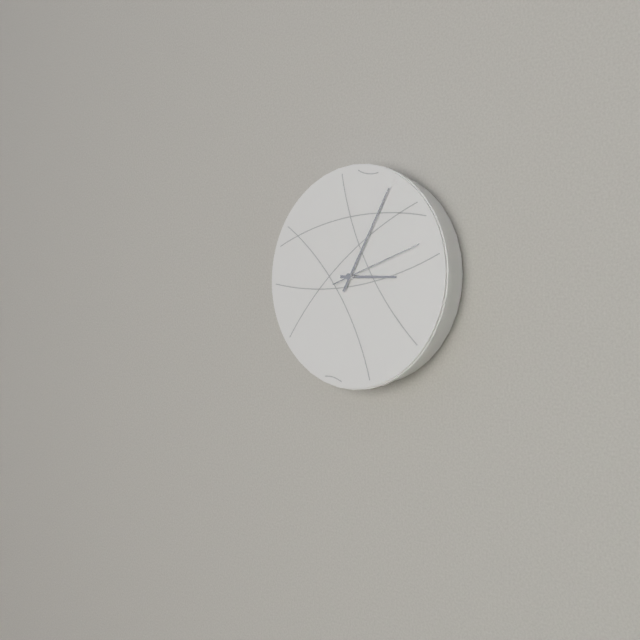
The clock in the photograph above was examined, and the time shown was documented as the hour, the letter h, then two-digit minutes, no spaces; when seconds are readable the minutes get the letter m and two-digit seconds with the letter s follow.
3h05m12s
